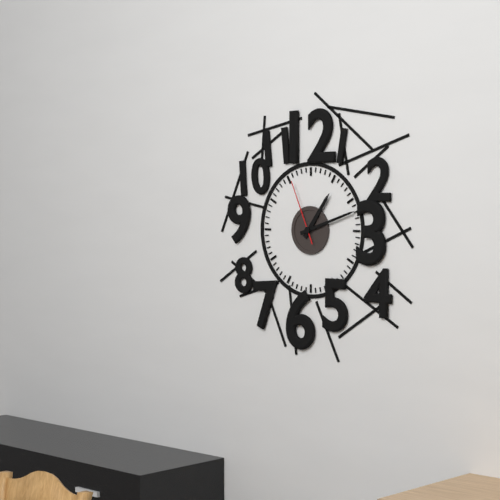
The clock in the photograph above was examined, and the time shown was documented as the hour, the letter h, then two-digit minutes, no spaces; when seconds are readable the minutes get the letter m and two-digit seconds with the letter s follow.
1h12m56s
